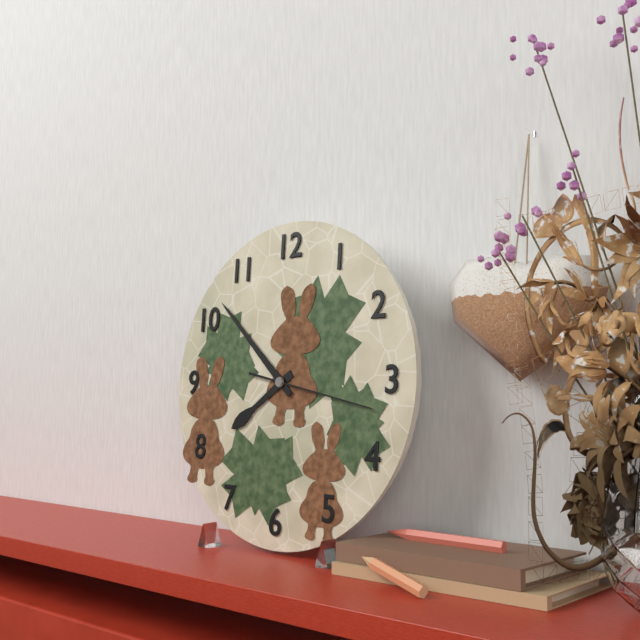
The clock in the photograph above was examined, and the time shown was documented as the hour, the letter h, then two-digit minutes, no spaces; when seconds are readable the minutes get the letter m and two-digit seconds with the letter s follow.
7h52m17s
